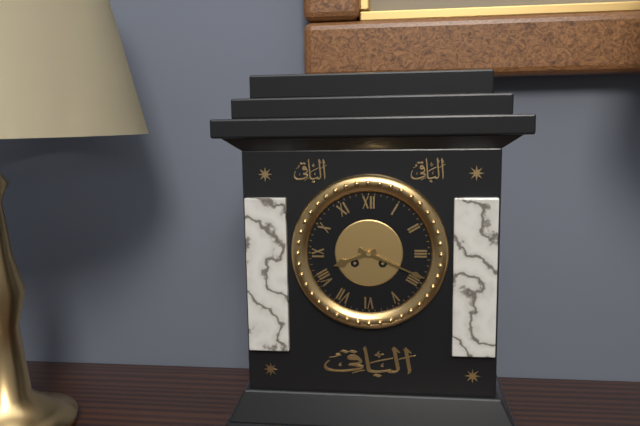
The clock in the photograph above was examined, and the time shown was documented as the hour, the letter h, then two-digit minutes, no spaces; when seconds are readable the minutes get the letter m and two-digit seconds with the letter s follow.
8h19
